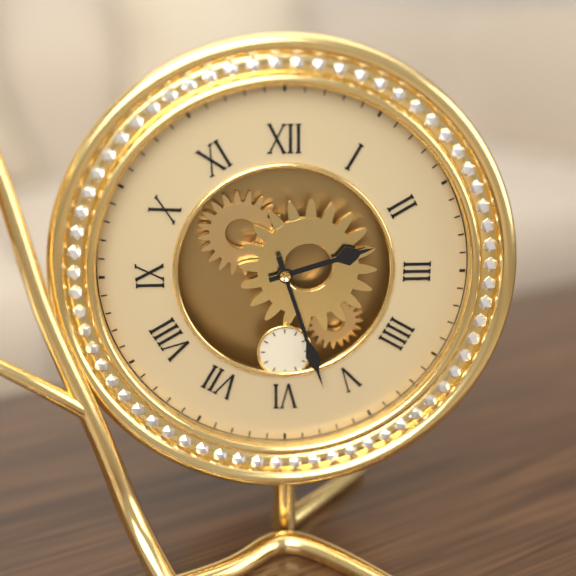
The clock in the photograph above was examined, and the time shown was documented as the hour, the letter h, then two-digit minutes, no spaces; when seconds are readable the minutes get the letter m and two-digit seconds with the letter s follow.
2h27
